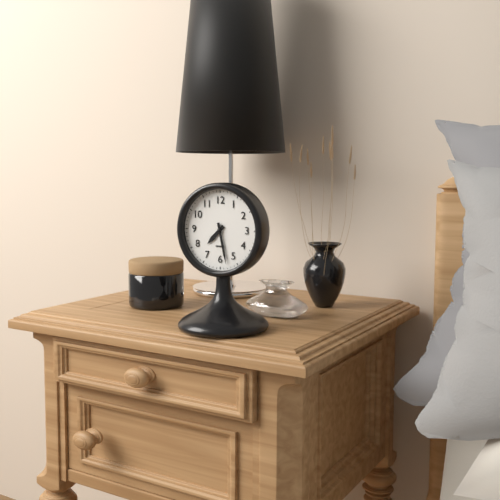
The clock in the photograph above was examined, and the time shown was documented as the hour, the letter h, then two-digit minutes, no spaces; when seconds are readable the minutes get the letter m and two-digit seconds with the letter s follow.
7h28
